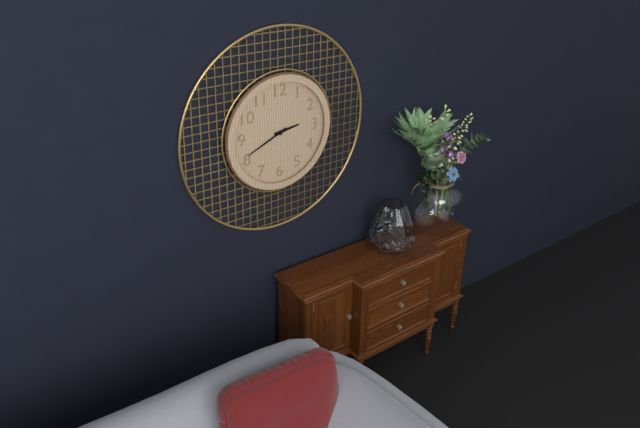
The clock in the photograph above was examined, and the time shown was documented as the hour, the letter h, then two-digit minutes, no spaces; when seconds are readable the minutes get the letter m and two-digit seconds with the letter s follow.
2h41
